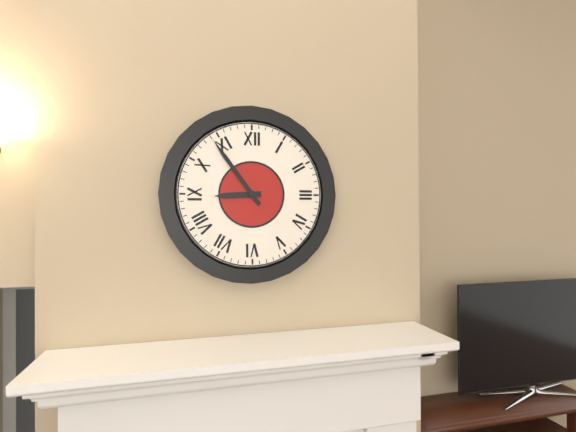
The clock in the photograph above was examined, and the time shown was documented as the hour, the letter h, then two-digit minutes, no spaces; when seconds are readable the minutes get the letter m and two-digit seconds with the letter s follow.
8h54
